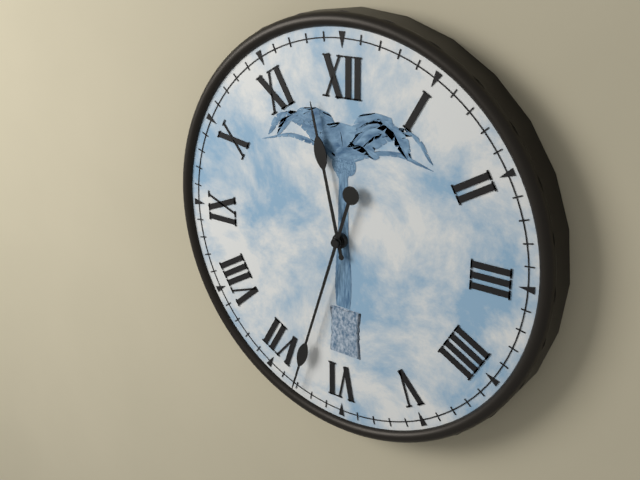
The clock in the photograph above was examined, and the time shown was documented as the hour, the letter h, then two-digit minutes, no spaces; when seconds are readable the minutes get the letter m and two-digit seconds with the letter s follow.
11h33
